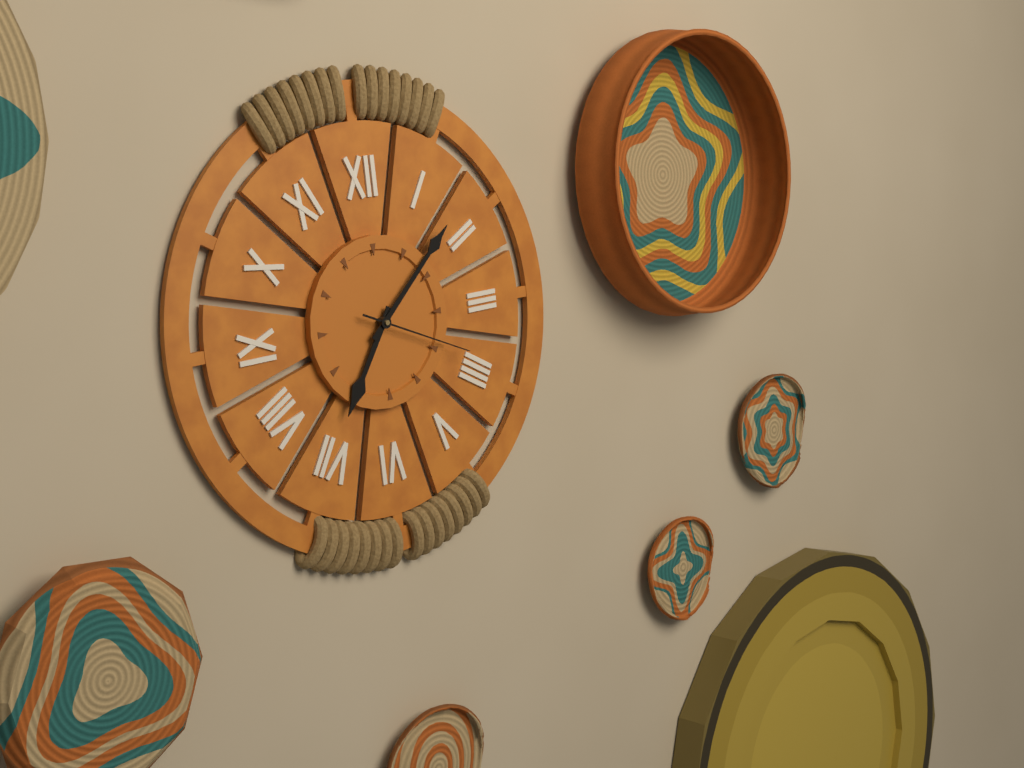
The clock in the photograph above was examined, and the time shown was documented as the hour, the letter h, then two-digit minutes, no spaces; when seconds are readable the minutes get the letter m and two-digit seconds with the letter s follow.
7h08m19s
